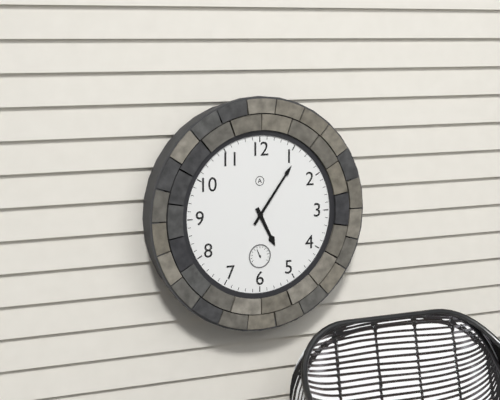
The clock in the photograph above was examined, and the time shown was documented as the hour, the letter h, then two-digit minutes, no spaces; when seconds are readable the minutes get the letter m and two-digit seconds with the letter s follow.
5h06
